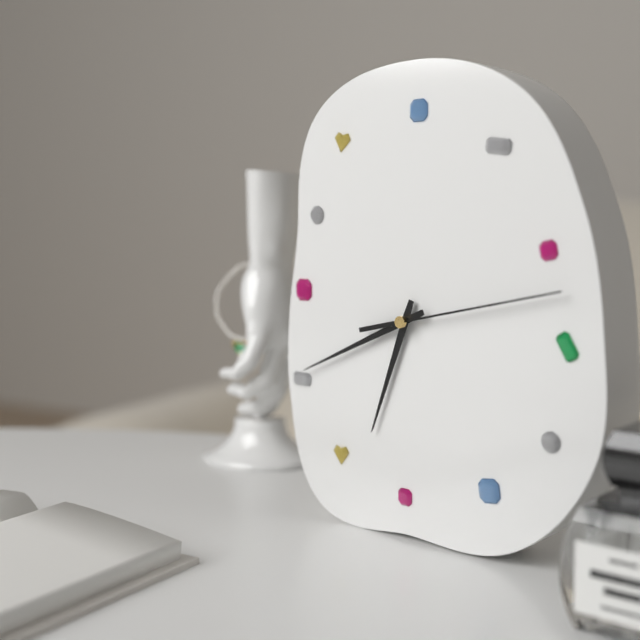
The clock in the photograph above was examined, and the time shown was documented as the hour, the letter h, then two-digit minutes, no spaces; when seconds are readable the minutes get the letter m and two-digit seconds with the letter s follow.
6h41m13s
